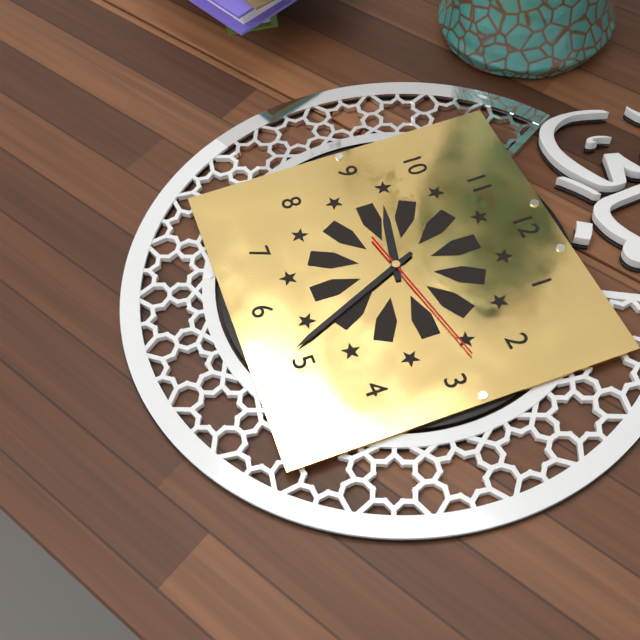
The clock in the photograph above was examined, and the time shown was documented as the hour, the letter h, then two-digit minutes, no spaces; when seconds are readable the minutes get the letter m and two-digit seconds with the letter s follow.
9h26m13s
